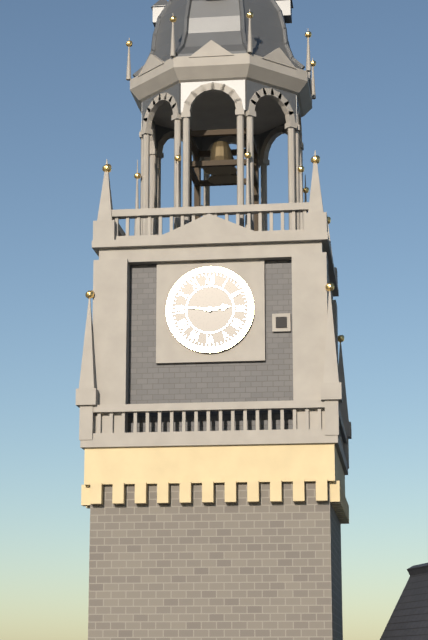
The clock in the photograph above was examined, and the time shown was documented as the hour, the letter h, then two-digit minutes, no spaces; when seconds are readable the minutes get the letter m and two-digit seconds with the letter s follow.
2h46
